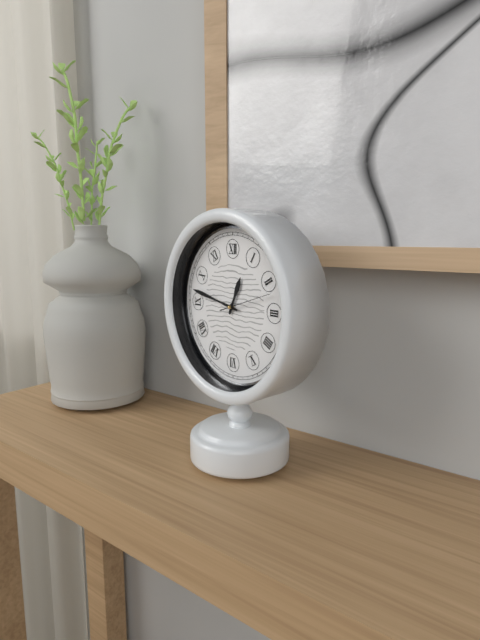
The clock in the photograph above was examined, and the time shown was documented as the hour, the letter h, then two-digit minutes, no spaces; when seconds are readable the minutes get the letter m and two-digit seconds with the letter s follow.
12h47m12s
